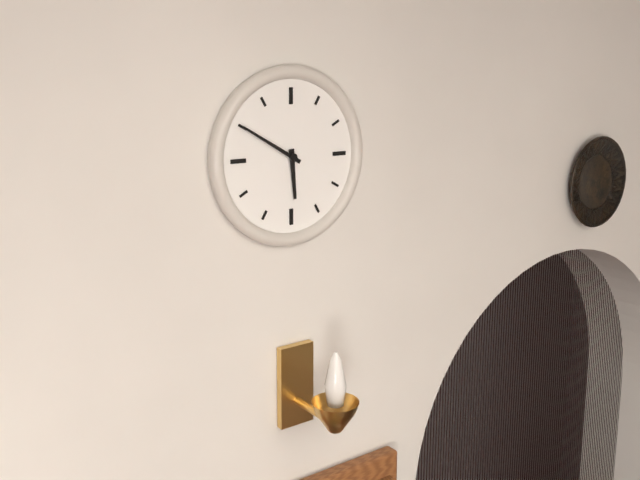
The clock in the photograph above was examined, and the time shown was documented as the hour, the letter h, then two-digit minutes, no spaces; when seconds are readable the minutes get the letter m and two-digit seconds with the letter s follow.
5h50
